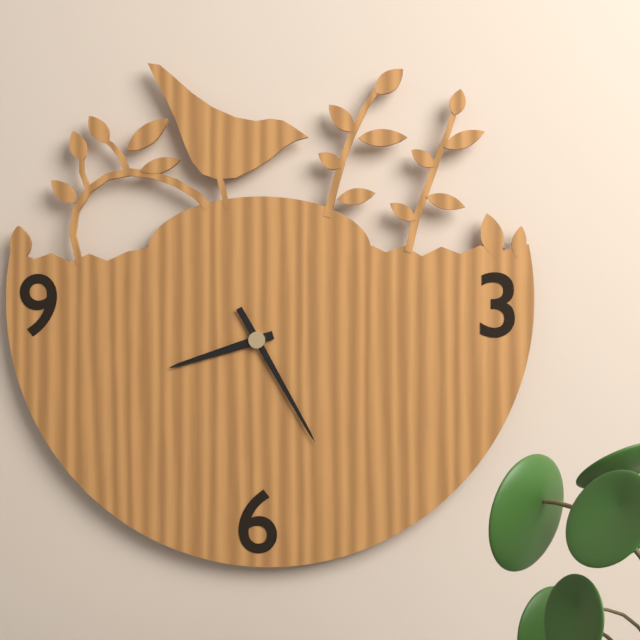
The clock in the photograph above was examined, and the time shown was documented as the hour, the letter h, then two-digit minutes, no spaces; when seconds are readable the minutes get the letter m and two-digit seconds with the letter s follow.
8h25
